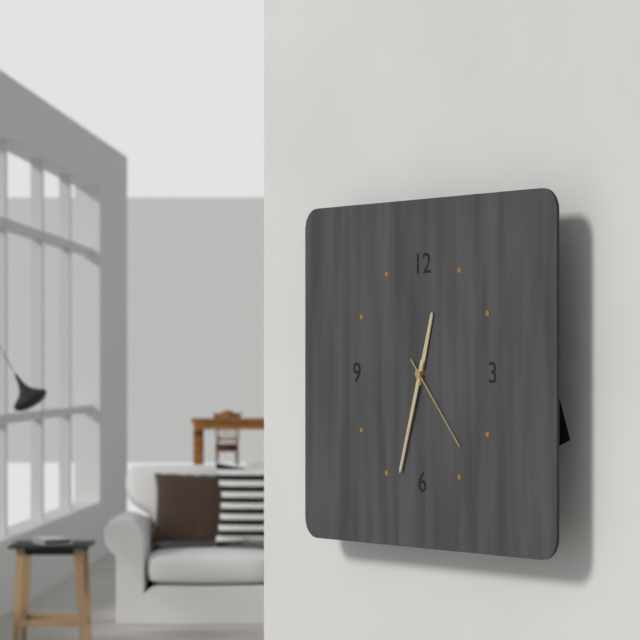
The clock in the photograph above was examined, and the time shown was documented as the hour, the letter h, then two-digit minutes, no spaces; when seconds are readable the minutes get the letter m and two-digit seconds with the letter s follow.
12h33m23s
